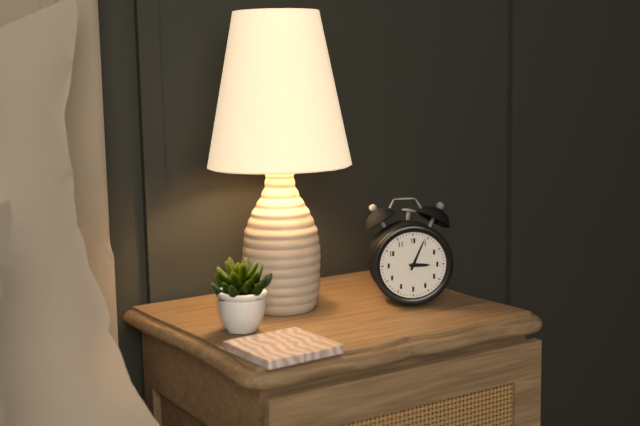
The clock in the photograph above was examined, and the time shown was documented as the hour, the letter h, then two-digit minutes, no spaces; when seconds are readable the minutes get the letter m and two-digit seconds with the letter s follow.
3h04
